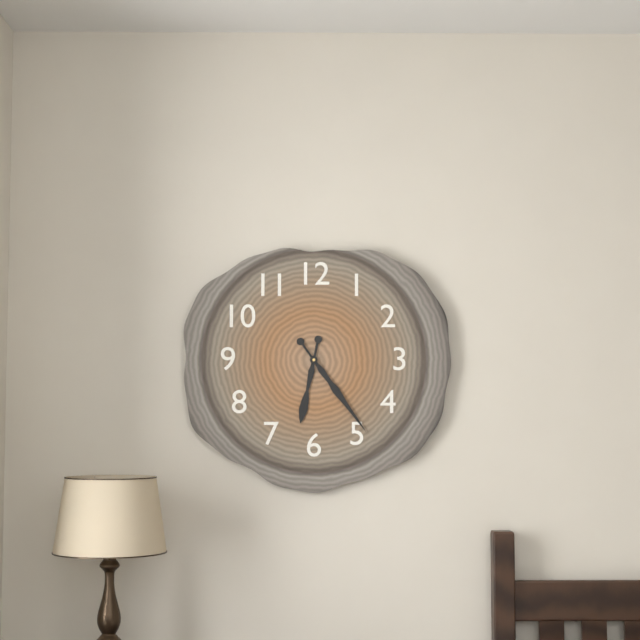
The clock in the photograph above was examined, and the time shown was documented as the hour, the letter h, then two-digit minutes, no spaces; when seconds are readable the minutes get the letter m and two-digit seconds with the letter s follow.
6h24
